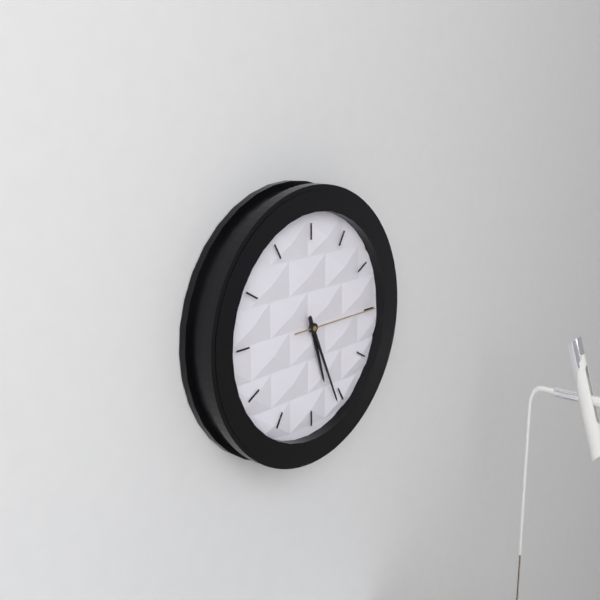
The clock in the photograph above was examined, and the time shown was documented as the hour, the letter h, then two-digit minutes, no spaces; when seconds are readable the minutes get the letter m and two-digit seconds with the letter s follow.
5h26m15s
